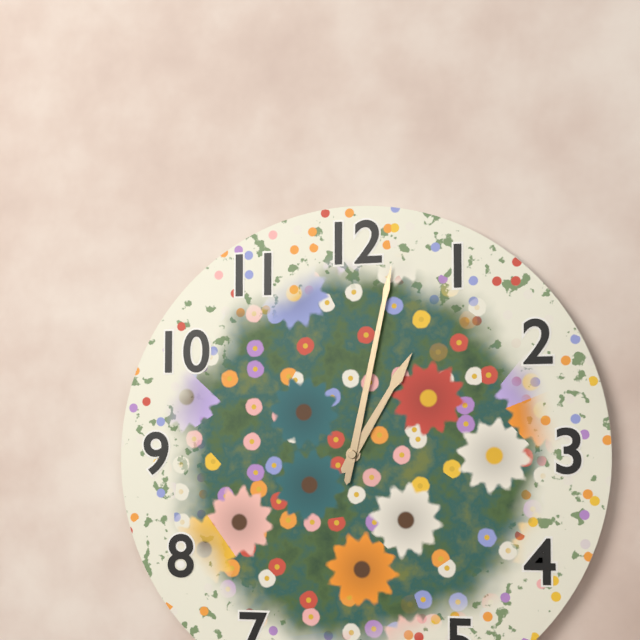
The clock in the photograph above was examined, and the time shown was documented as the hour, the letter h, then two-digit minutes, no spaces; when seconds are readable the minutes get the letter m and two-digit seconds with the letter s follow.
1h02
